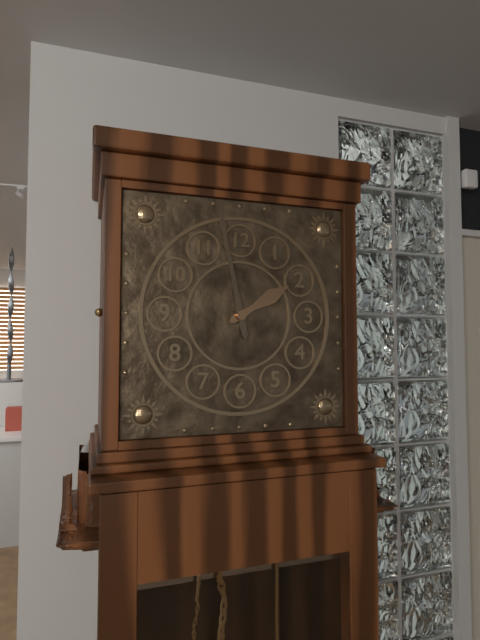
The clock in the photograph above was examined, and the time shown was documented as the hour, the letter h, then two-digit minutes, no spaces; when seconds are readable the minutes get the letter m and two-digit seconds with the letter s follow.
1h58
